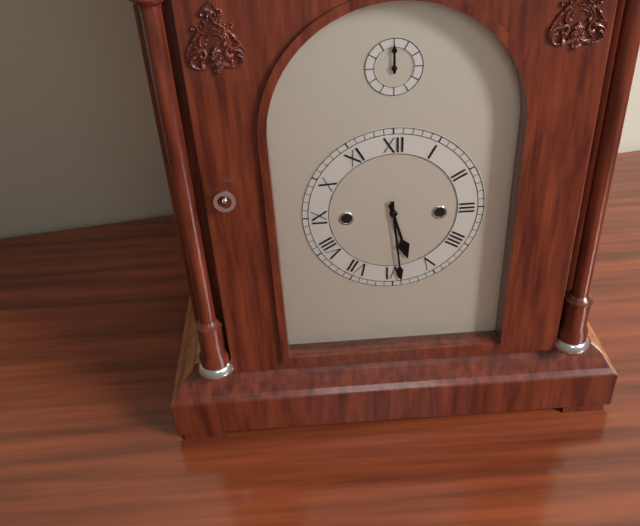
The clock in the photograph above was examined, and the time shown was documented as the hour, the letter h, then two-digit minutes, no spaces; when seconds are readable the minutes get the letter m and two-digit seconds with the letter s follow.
5h29
